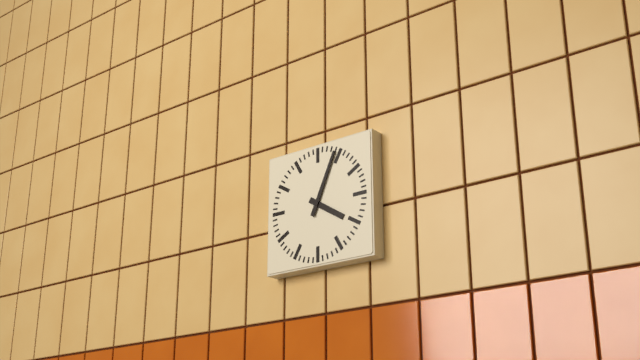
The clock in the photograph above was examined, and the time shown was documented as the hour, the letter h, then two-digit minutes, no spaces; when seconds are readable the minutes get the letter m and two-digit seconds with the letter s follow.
4h04
